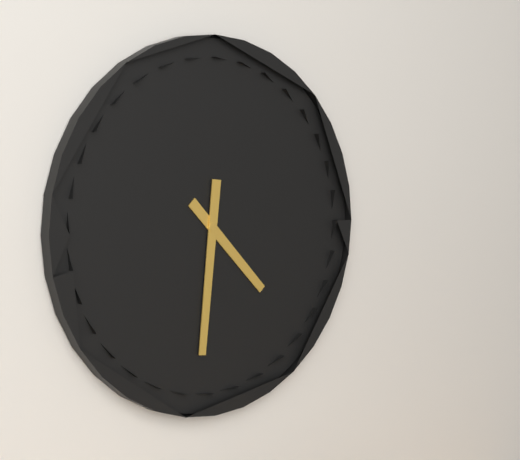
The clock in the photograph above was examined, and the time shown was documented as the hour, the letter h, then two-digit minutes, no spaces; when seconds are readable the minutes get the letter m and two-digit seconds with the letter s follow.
4h31
